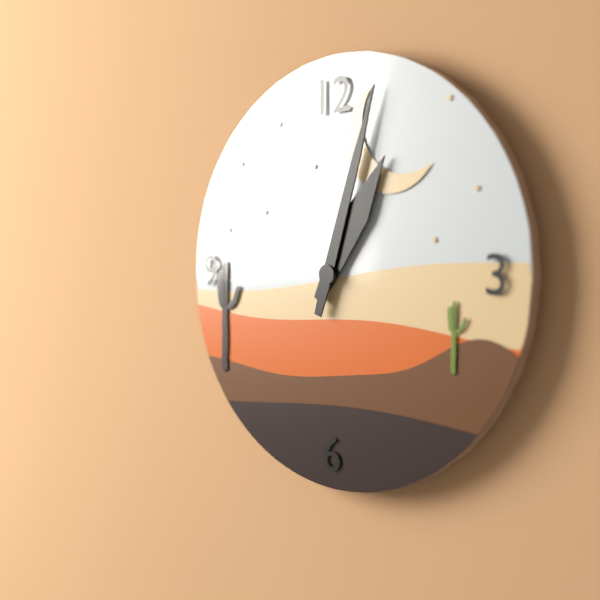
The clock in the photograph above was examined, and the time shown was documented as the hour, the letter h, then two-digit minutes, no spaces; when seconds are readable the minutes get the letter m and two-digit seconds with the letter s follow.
1h03
